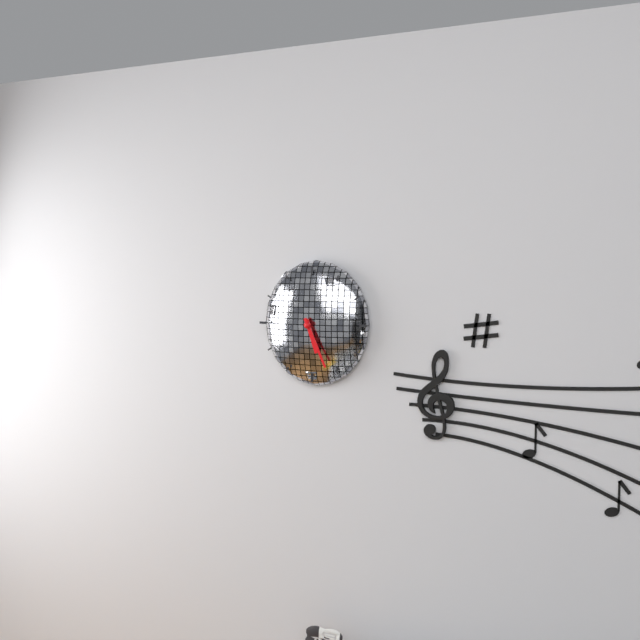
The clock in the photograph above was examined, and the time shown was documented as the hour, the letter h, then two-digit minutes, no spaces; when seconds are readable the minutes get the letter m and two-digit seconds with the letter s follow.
5h26
